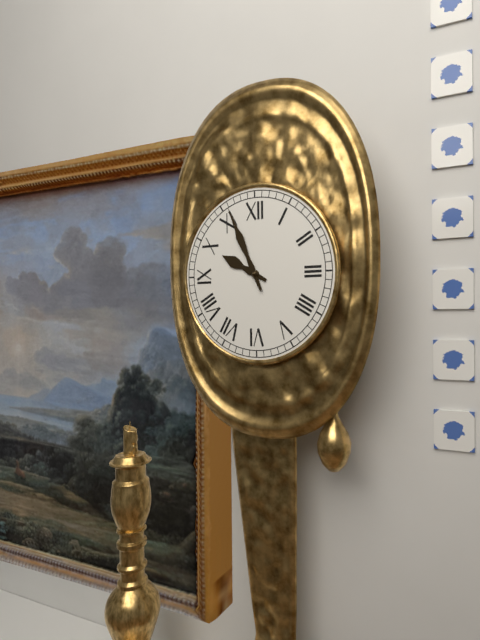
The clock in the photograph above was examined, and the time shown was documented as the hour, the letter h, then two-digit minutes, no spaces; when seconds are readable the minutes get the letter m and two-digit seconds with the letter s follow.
9h56
